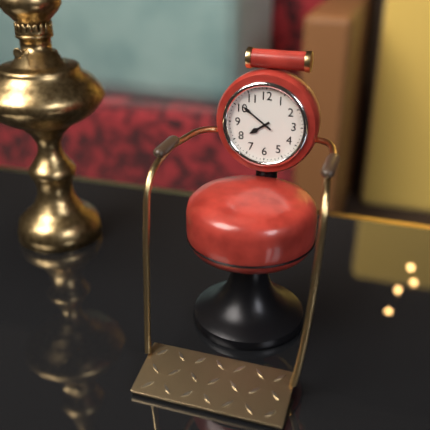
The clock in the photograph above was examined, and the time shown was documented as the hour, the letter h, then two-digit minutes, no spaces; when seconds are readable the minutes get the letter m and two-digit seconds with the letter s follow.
7h51
